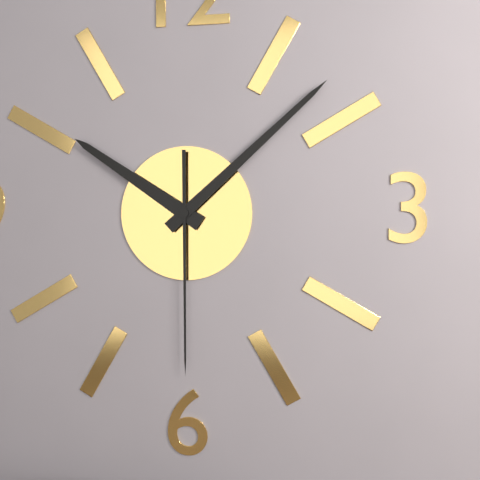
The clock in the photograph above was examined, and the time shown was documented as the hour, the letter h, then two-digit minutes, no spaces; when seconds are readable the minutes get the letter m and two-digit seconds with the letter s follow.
10h08m30s
